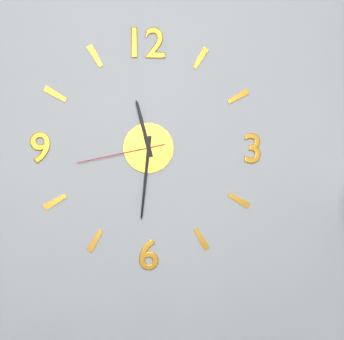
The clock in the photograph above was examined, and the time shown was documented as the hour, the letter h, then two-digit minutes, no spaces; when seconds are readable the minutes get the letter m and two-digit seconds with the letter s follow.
11h31m43s
